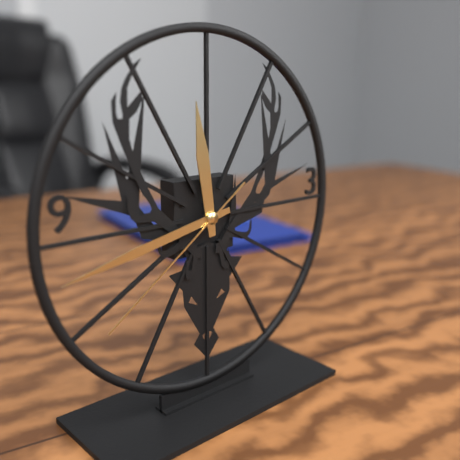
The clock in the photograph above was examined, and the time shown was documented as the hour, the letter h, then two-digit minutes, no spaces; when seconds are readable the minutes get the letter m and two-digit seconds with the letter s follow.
11h43m39s
